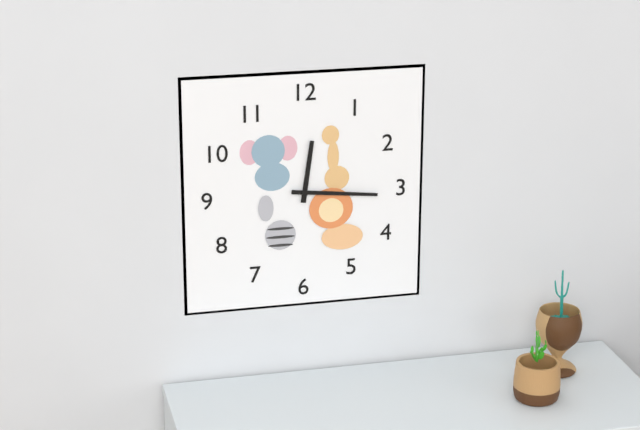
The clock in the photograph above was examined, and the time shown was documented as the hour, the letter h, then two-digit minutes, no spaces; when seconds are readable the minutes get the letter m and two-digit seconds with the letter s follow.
12h16
